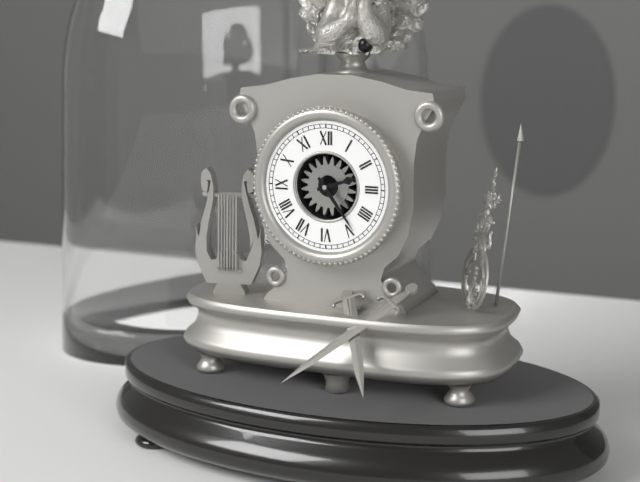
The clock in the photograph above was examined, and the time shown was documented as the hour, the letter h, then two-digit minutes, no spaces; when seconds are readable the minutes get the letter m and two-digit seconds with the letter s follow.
2h24
